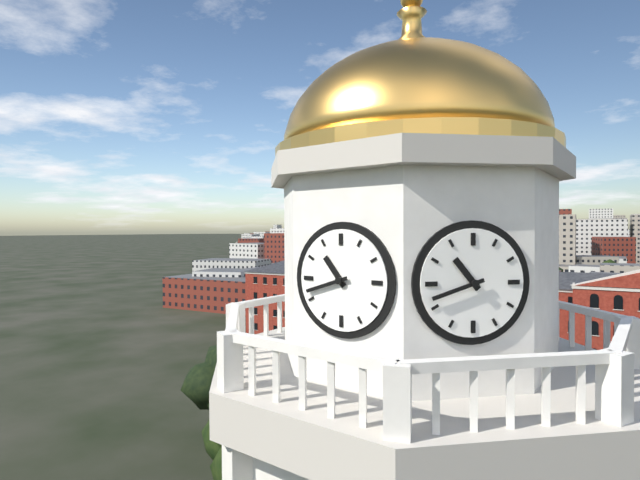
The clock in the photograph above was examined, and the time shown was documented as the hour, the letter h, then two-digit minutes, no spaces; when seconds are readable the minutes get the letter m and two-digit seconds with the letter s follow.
10h42
